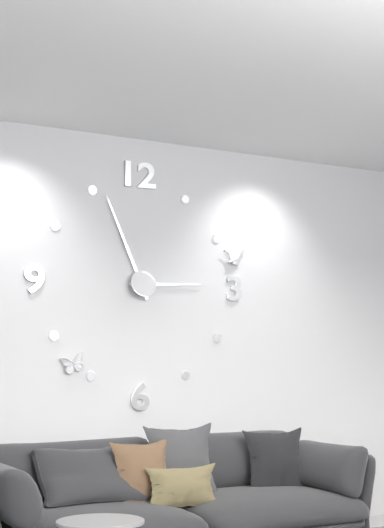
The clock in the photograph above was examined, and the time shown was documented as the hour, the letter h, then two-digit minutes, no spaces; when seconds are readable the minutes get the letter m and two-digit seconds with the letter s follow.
2h56
